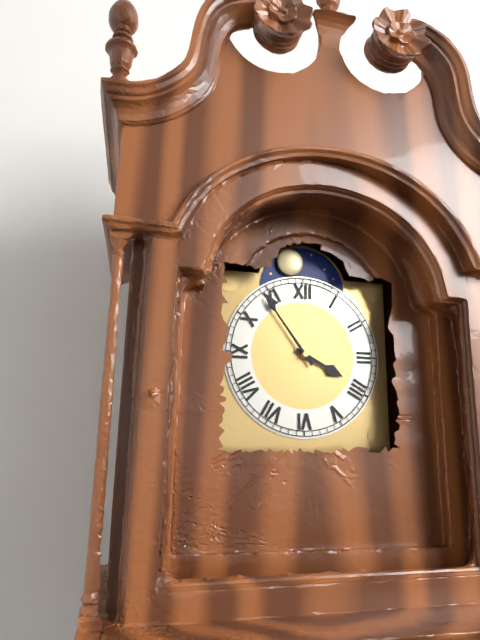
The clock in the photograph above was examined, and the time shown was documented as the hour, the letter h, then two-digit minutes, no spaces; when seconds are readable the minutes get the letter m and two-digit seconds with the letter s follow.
3h54
